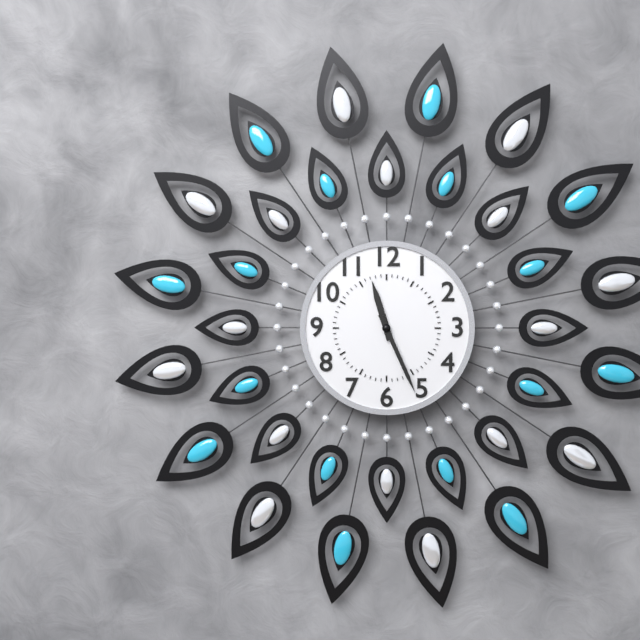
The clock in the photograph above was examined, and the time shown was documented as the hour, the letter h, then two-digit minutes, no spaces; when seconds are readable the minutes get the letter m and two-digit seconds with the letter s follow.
11h26
